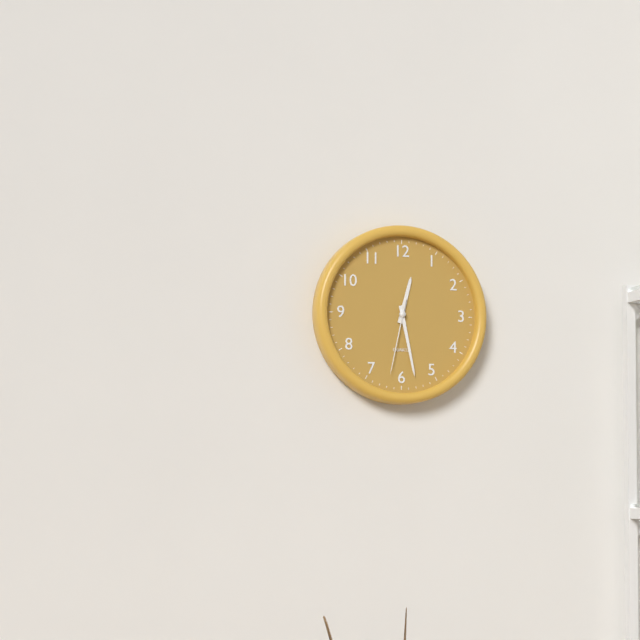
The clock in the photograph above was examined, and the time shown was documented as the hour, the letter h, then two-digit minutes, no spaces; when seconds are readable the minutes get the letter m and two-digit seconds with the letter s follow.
12h28m32s
